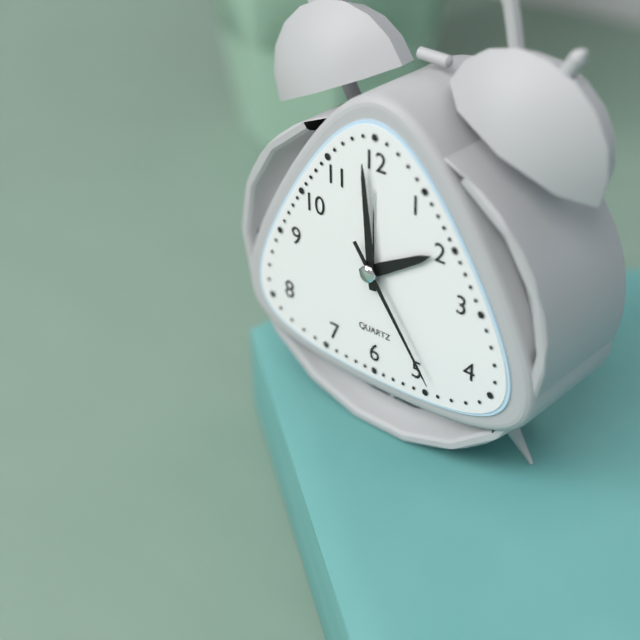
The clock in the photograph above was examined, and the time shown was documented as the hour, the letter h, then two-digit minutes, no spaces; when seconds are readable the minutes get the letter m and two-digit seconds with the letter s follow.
1h59m24s
